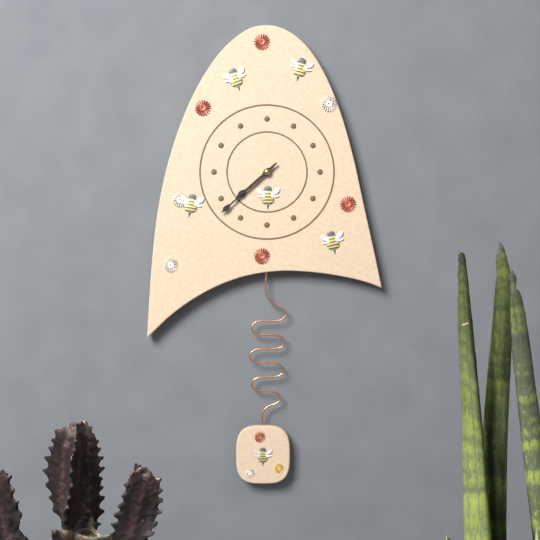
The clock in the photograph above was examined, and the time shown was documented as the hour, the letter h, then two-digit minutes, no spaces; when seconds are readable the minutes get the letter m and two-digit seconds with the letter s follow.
7h38
